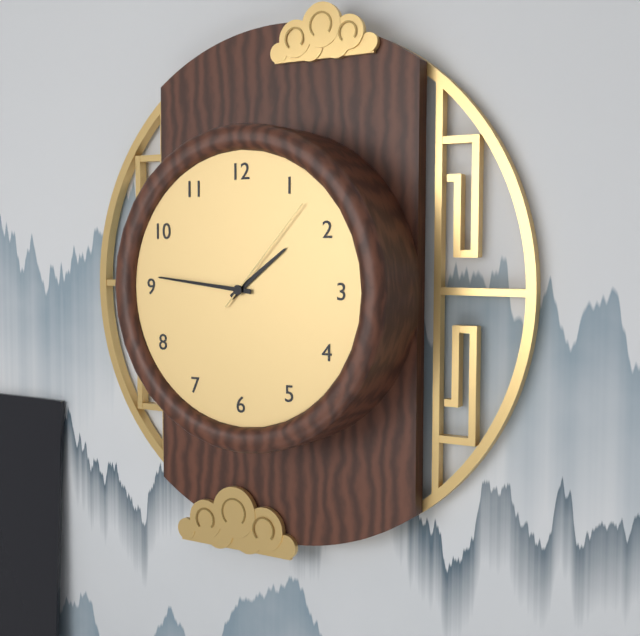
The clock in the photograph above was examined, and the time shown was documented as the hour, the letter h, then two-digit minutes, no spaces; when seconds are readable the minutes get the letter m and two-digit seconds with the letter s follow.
1h46m07s
